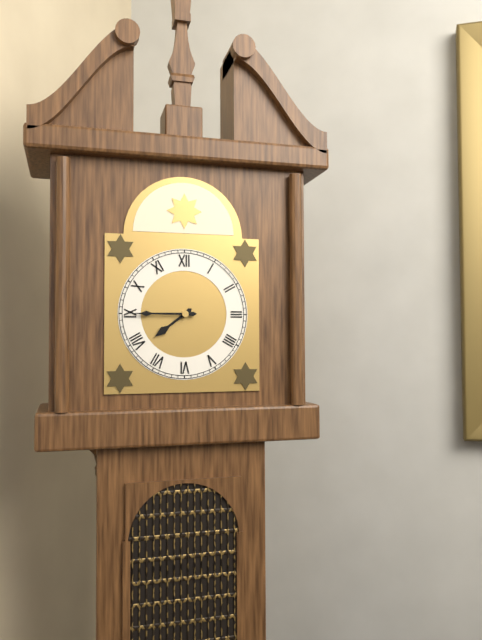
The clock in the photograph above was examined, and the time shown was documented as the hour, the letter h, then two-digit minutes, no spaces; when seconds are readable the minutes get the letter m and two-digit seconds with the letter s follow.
7h45
